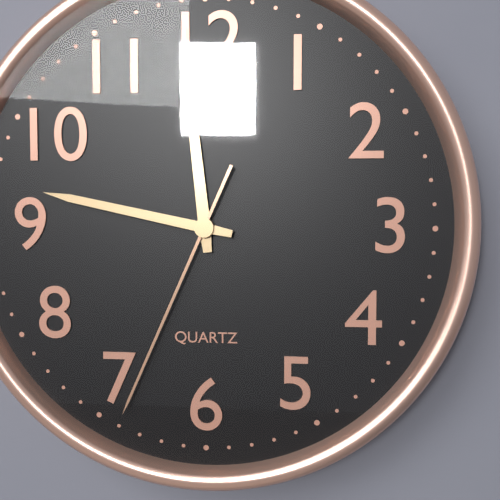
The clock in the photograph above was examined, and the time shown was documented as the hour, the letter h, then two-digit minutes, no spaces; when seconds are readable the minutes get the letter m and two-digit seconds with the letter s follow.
11h47m34s
